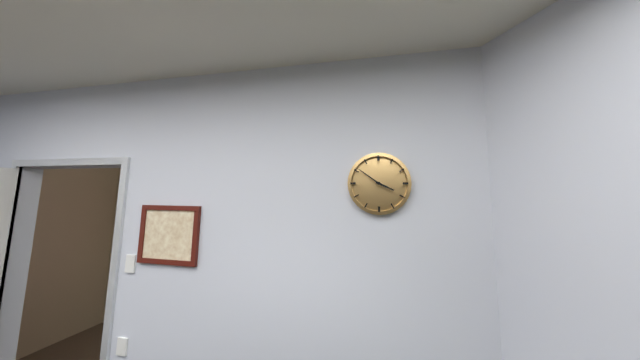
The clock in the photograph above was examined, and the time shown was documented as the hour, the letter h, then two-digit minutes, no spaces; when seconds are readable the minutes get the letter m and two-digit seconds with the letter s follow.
3h51
